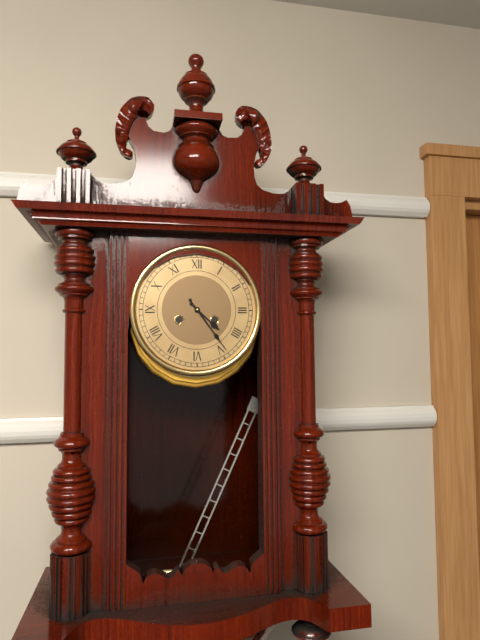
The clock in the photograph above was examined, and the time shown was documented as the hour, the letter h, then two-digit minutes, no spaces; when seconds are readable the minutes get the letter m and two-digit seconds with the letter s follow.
4h24
